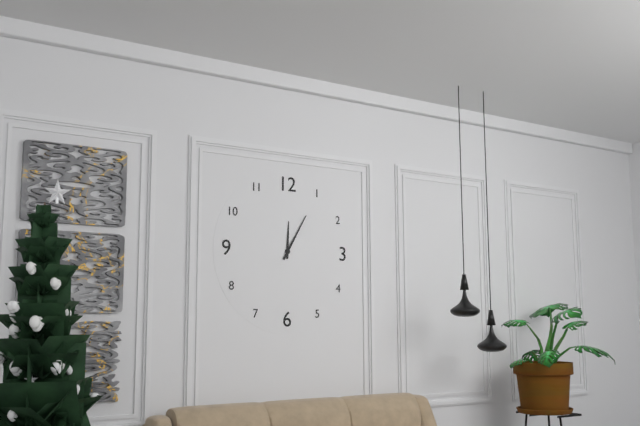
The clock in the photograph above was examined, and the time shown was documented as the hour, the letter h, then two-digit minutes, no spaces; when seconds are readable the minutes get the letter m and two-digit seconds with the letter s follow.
12h05
